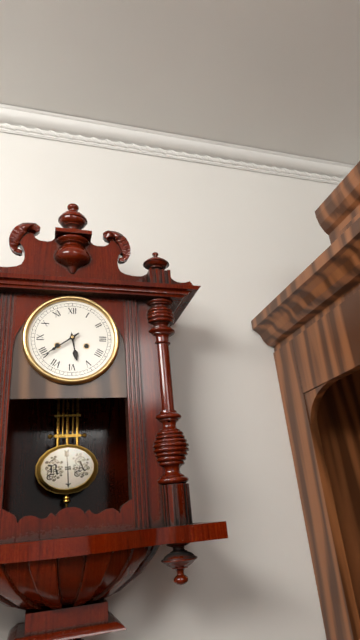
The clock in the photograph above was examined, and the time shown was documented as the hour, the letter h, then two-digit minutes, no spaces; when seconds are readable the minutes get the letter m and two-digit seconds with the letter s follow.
5h39
